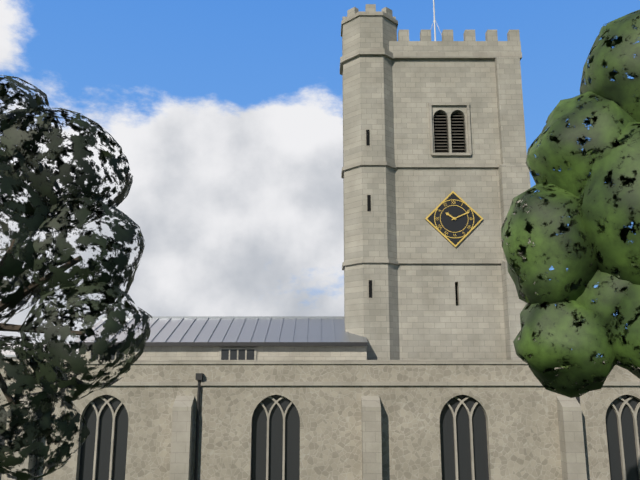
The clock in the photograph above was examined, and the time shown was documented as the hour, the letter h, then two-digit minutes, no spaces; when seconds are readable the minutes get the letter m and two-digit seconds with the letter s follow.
10h11
